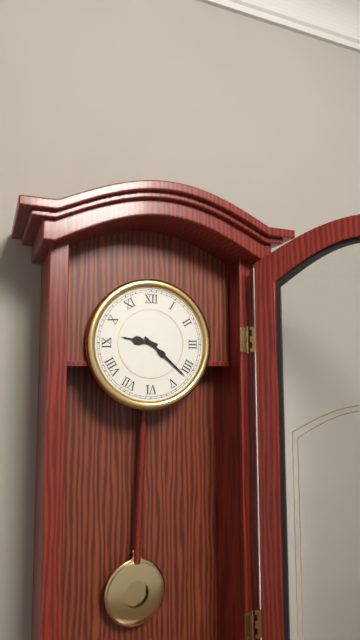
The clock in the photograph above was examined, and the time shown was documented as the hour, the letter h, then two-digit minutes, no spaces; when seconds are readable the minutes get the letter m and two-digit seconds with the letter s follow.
9h22
